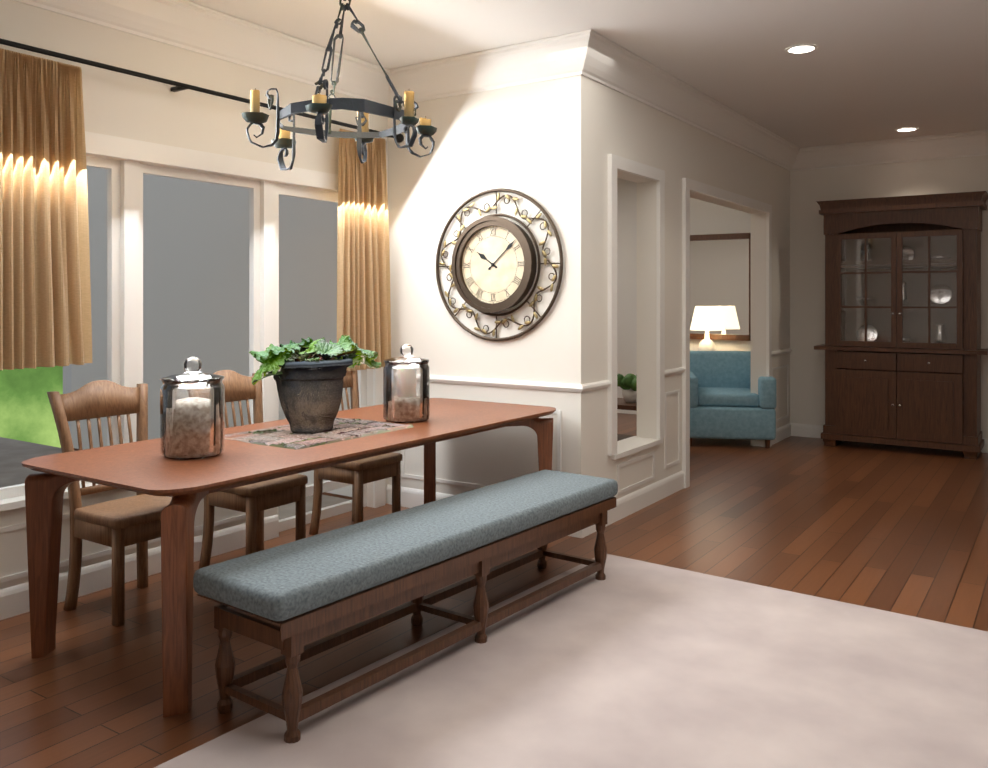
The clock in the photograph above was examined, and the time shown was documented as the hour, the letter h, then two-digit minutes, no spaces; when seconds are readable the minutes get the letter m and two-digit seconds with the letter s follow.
10h08
